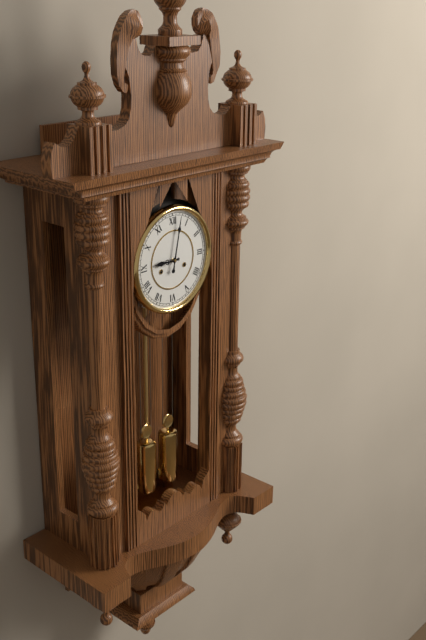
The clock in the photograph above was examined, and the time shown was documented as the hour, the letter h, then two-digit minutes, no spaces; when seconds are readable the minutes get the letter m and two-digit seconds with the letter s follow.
9h02
